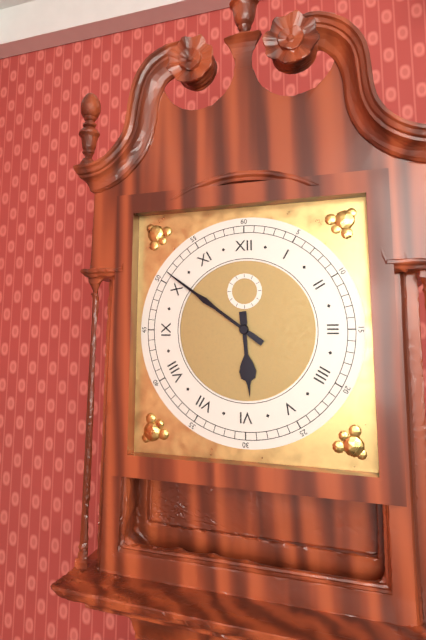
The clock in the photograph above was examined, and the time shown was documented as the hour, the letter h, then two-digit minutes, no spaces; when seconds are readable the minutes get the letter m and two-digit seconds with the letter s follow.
5h51
